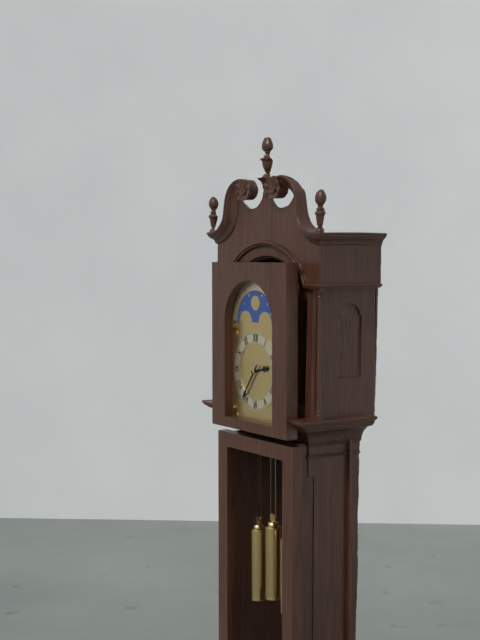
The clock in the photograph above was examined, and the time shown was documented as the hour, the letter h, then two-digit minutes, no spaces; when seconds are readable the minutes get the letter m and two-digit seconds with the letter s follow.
2h36
